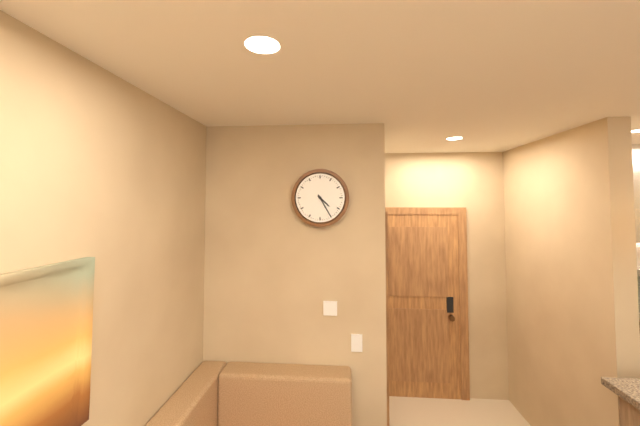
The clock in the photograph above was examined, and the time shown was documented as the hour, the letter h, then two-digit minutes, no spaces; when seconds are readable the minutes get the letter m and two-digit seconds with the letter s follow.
4h25
